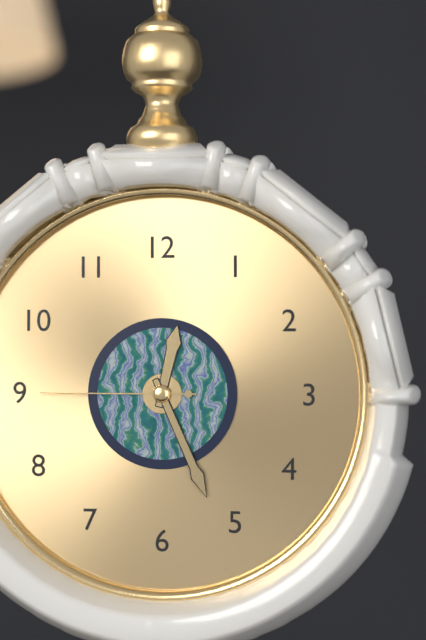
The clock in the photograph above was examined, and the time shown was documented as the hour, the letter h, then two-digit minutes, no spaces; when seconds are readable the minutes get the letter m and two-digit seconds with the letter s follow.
12h26m45s
